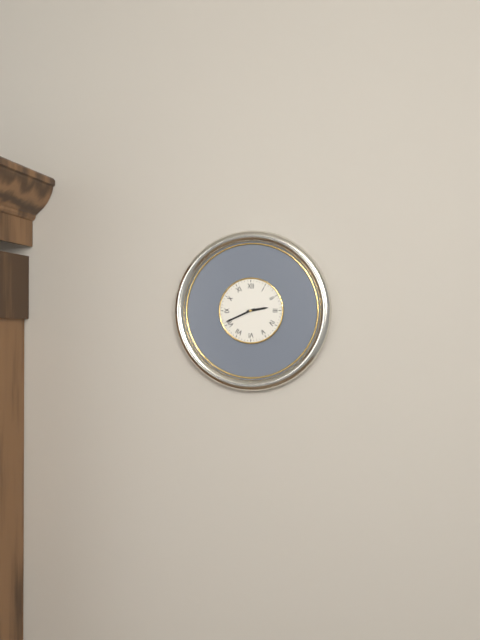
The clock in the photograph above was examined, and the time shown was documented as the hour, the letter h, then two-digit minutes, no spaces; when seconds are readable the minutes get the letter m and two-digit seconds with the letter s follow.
2h41
